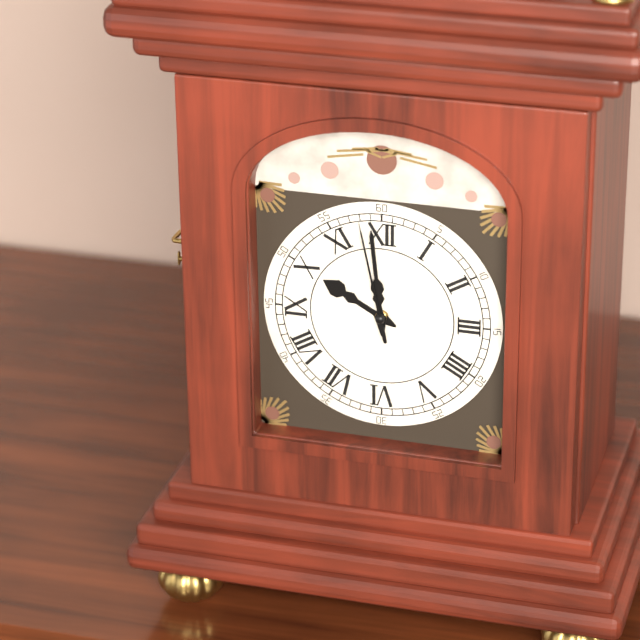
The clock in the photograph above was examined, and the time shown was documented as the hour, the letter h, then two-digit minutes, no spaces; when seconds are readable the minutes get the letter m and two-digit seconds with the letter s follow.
9h59m58s
